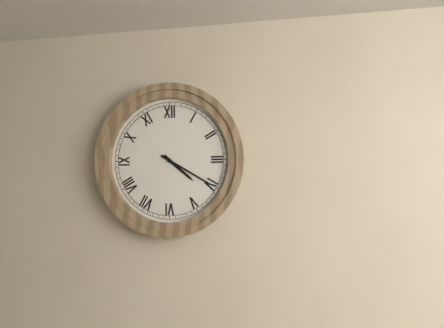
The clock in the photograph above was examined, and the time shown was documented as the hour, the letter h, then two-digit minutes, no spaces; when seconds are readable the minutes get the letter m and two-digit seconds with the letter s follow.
4h20
